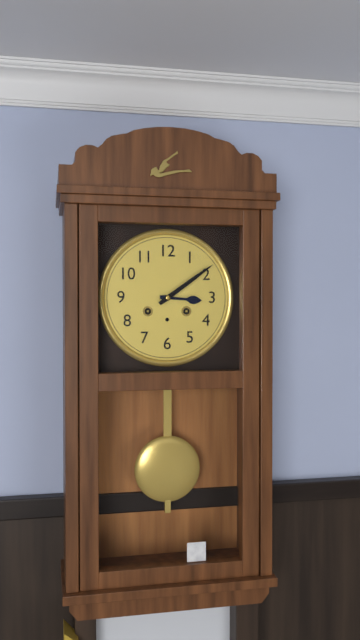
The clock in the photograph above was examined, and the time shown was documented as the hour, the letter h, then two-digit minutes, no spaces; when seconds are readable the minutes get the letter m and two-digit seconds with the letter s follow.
3h09
